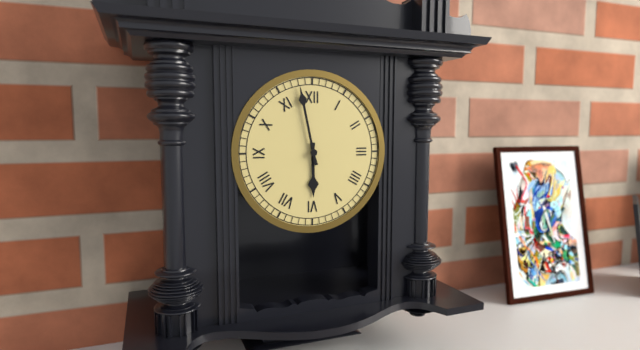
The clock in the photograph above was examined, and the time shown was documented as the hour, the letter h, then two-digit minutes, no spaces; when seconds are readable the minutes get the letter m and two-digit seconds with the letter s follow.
5h58
